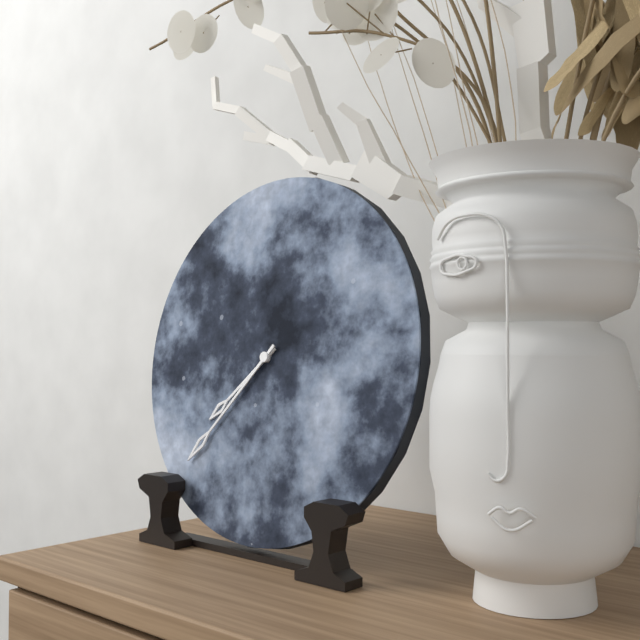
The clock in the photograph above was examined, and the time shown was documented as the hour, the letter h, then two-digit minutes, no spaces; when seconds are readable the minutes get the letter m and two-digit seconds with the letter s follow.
7h37
